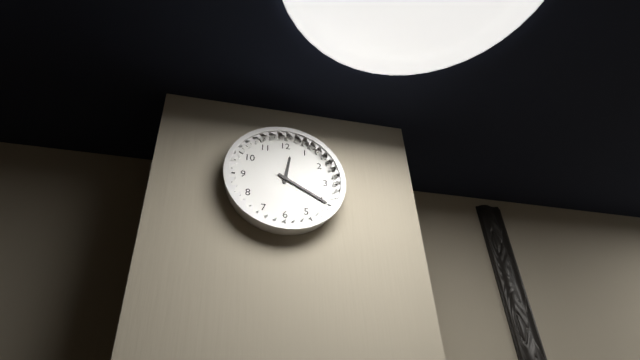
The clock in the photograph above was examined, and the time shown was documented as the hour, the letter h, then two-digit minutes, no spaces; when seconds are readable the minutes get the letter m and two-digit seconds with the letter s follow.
12h20
